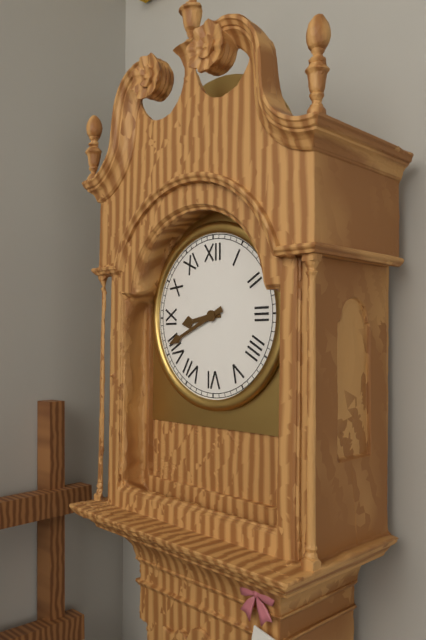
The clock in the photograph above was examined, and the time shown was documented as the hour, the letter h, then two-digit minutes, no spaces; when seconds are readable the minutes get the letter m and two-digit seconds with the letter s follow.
8h41
